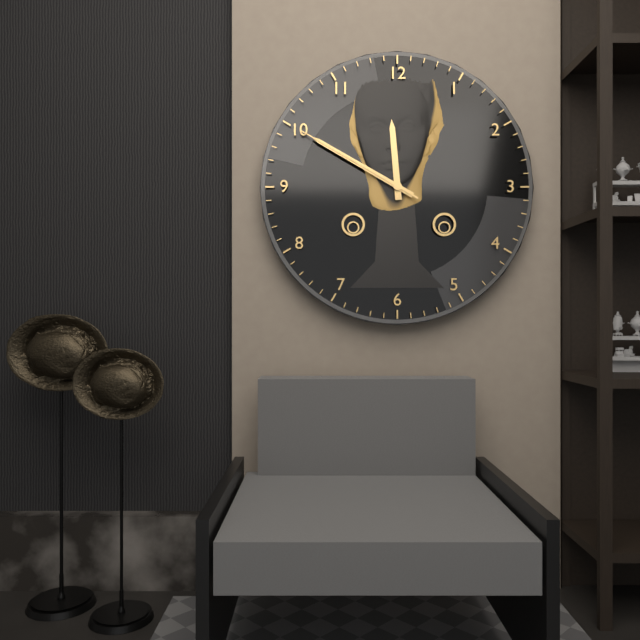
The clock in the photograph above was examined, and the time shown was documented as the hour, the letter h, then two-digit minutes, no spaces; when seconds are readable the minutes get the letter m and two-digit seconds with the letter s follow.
11h50m50s
